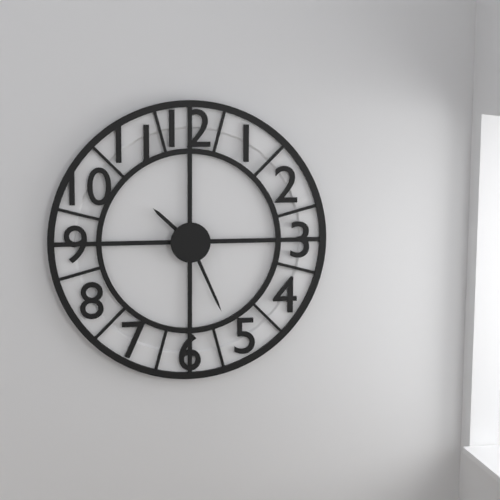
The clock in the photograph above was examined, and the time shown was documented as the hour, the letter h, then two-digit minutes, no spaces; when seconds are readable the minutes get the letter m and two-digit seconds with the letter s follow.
10h26
